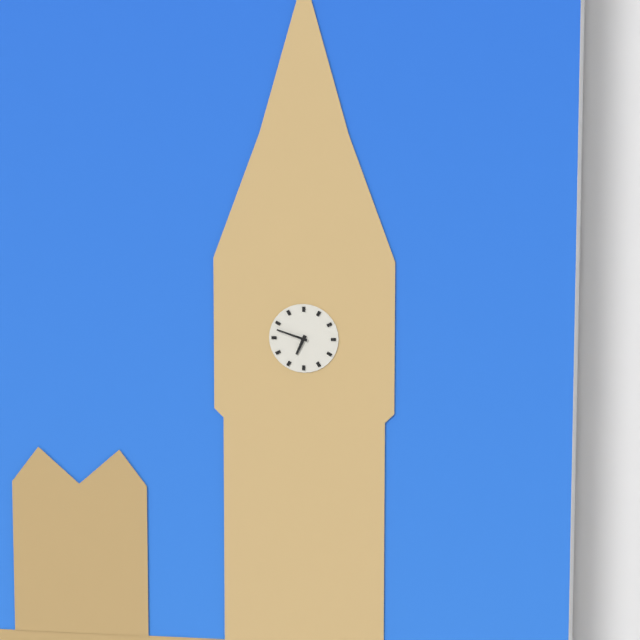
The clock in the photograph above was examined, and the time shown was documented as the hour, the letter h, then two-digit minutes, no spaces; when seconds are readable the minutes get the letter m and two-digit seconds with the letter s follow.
6h48
